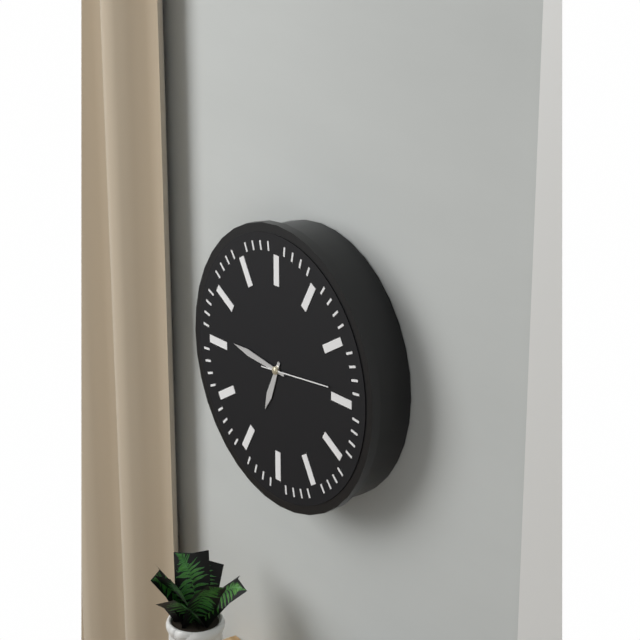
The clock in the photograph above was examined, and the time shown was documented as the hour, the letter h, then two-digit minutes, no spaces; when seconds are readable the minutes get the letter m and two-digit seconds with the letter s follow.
6h46
